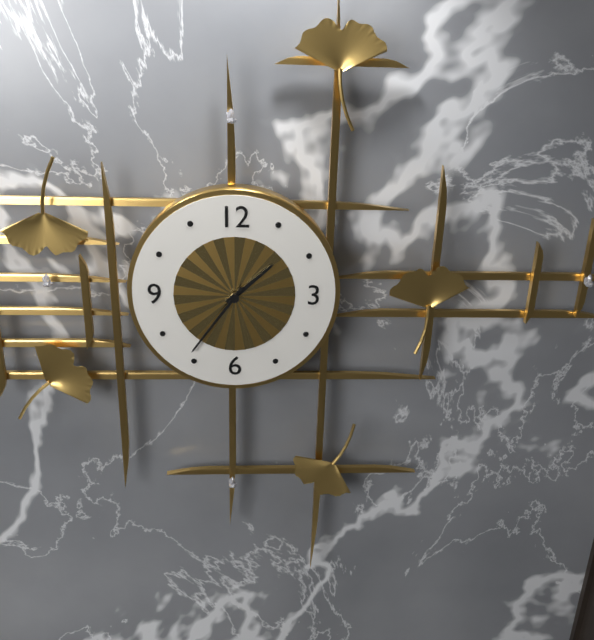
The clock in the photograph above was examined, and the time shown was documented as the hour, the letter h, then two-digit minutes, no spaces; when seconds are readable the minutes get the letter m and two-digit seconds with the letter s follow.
1h36
